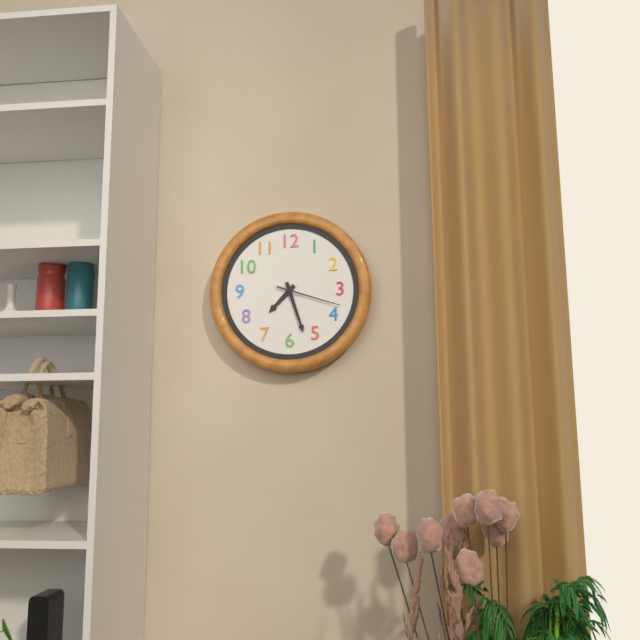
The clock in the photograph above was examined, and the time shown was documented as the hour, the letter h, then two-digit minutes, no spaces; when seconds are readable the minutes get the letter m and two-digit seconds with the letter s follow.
7h27m18s
